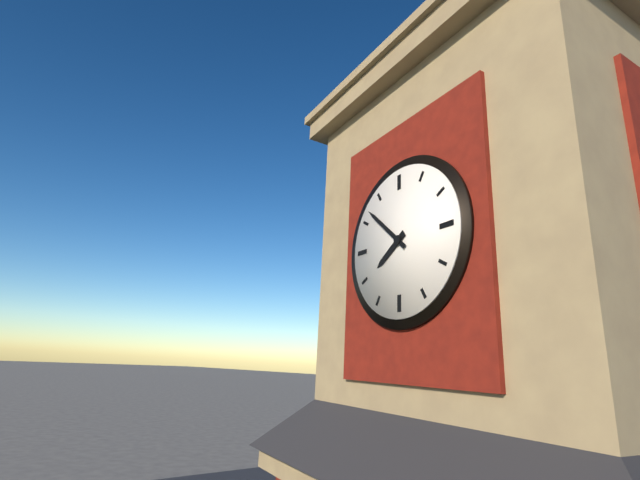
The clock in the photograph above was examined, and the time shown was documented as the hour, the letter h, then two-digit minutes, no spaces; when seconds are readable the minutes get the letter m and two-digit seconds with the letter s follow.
7h52
